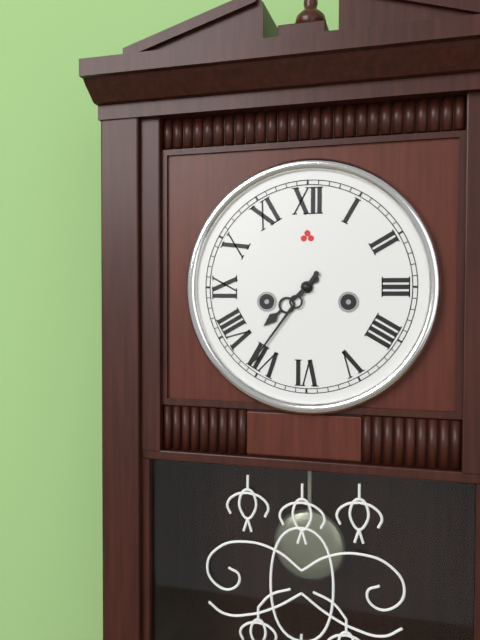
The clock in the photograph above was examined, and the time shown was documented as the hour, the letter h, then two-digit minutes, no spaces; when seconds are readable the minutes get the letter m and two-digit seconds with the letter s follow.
7h36
